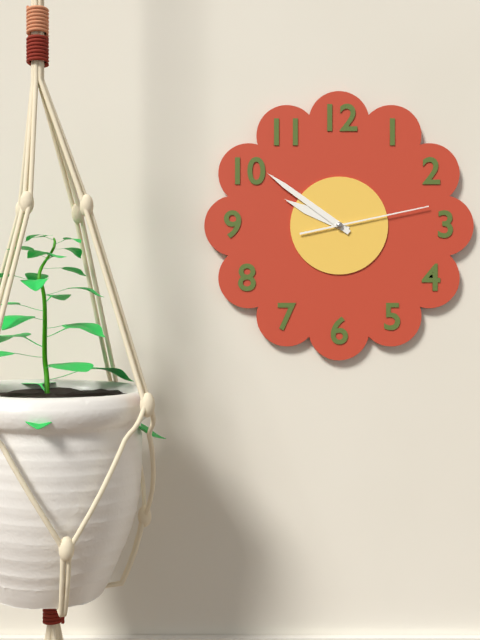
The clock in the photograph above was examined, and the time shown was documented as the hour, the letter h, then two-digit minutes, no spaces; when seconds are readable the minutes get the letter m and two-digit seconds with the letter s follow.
9h51m13s
